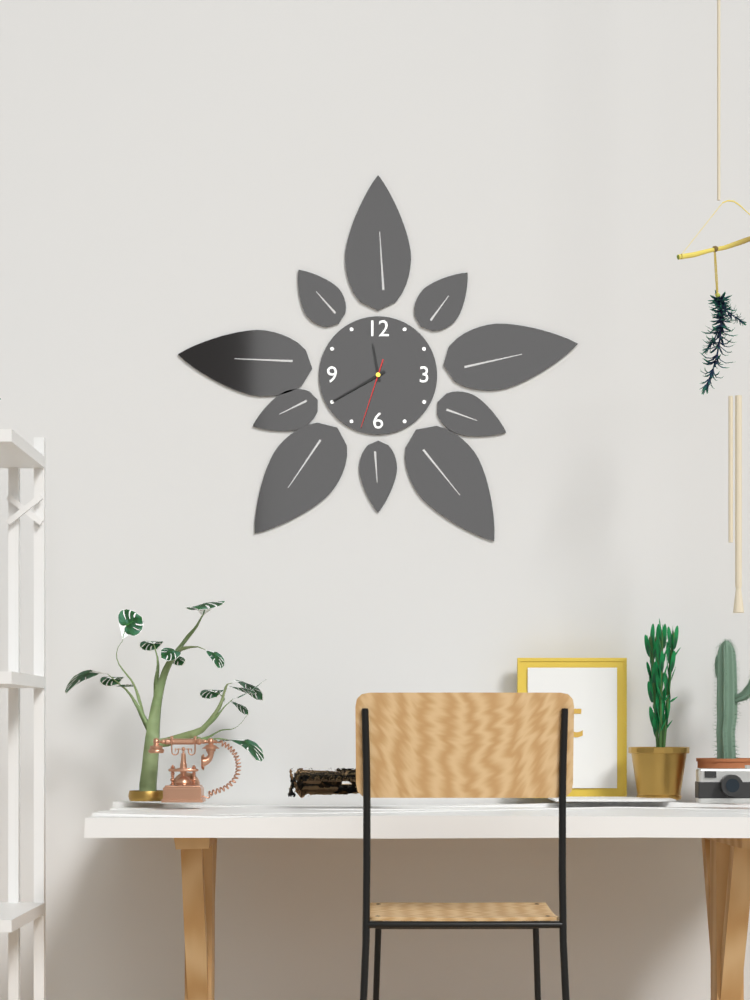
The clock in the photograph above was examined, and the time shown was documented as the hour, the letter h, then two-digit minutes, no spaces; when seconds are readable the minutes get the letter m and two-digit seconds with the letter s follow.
11h40m33s
